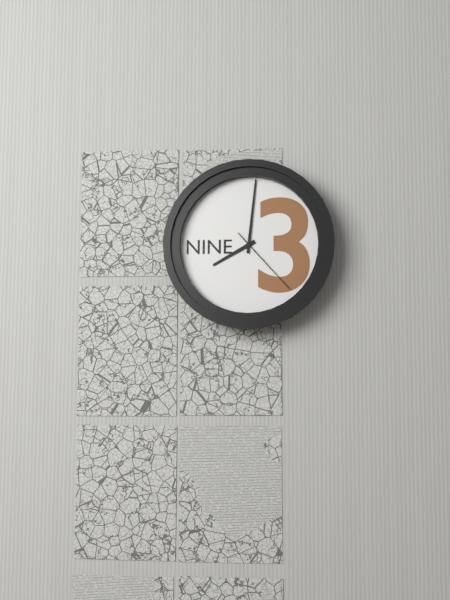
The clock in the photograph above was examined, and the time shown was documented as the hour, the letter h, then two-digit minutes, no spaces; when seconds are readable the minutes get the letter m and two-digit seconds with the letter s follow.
8h01m23s
